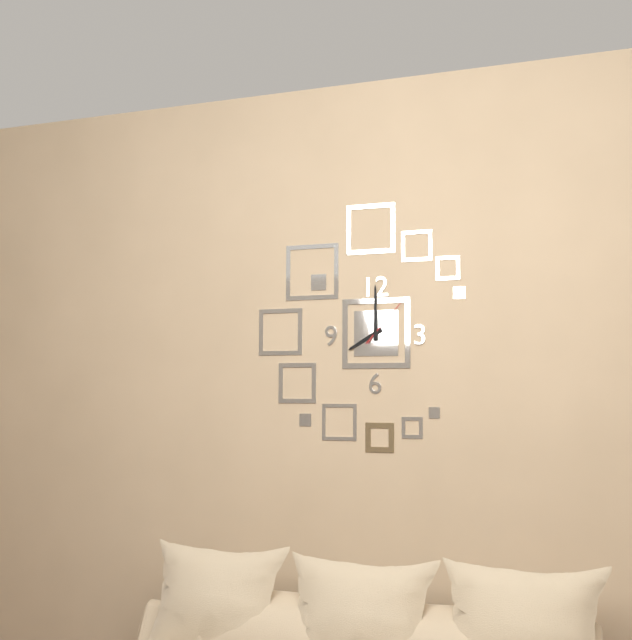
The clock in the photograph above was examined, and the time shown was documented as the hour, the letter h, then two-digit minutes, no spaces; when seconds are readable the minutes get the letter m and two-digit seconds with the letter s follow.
8h00m07s
